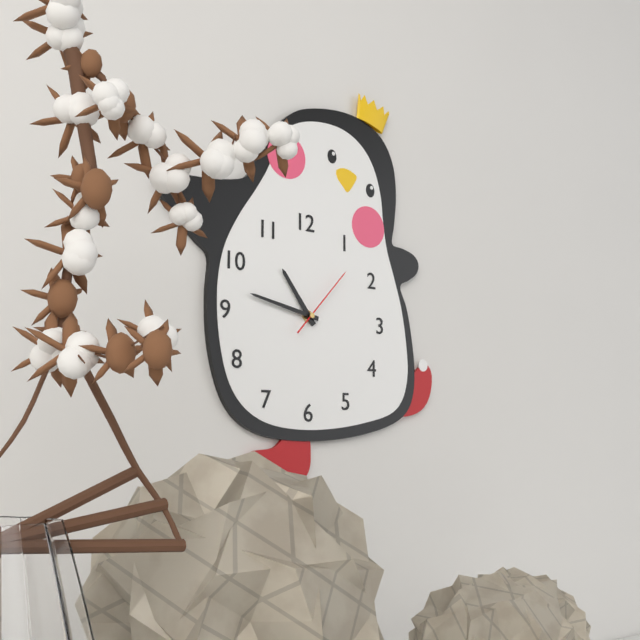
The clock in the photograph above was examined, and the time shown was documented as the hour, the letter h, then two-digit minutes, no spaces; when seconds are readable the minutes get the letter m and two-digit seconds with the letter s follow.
10h47m07s
